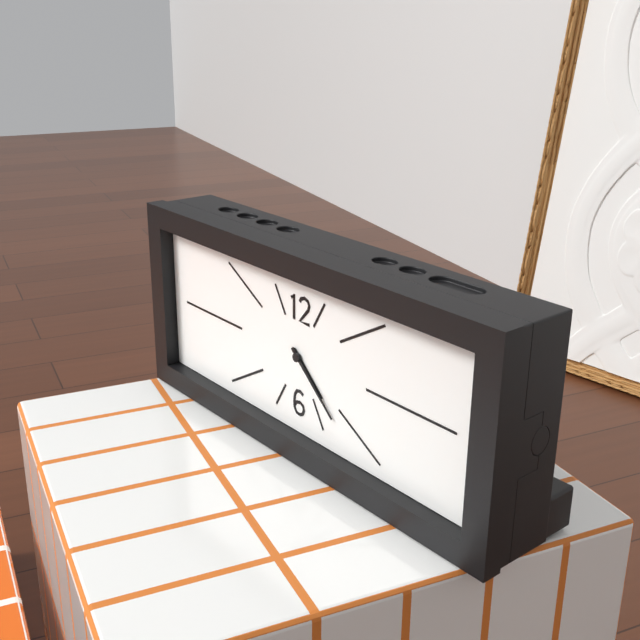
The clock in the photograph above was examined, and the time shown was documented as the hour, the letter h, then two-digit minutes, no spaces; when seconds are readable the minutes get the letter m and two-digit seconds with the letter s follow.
4h22
